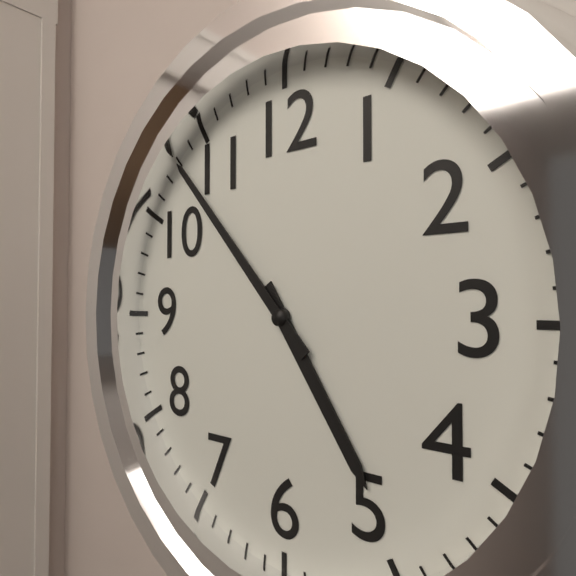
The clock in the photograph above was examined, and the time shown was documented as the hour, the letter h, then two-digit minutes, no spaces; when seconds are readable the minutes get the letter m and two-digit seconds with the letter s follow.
4h53
